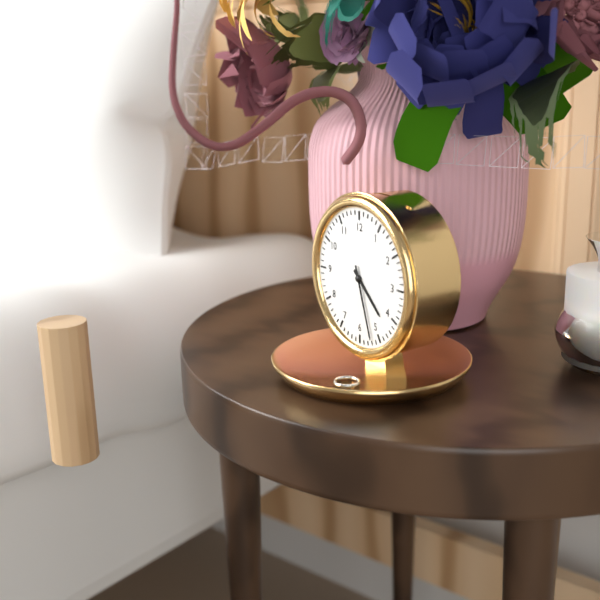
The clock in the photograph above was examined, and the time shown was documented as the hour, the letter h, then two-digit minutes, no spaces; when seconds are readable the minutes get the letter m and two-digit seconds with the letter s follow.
4h27
